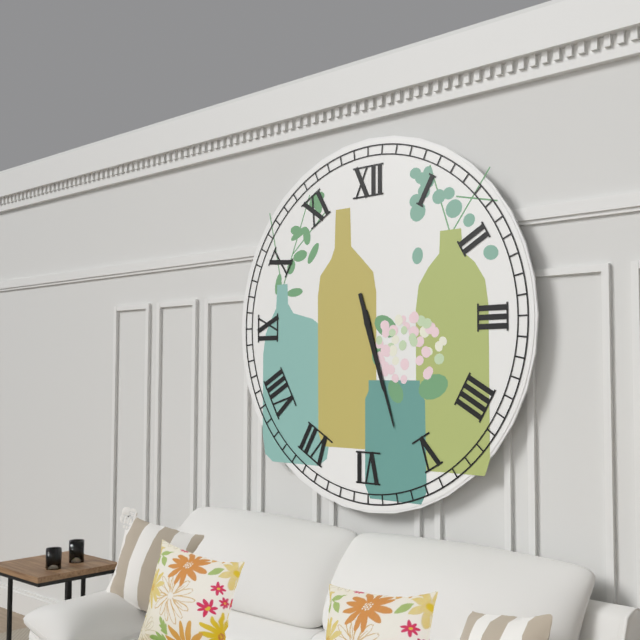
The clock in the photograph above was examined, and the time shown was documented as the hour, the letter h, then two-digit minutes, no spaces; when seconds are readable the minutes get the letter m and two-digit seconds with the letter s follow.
5h27
